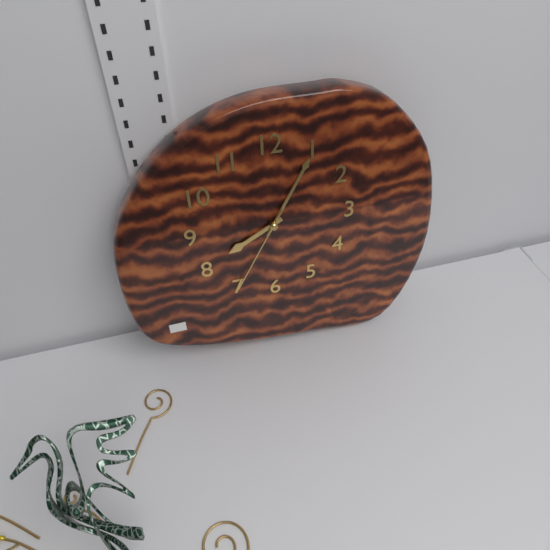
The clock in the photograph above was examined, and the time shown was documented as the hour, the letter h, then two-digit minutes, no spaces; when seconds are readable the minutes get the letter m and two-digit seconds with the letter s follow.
8h05m35s
